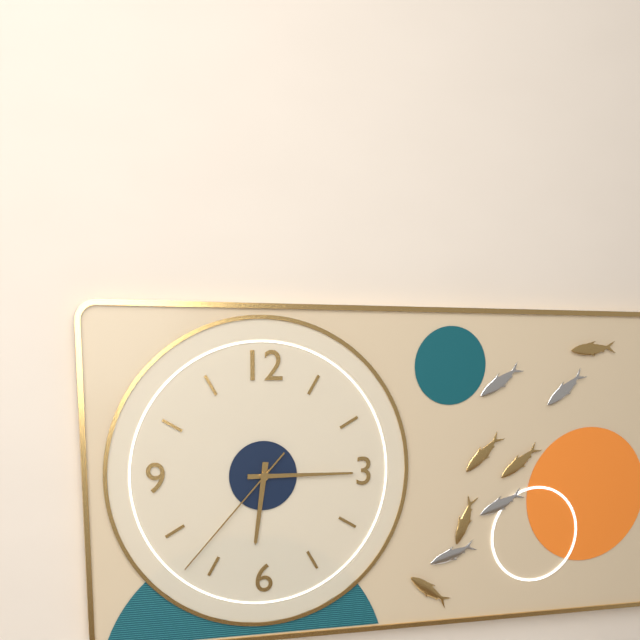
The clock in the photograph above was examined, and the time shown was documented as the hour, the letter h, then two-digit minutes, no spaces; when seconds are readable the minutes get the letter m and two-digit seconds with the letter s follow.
6h15m37s
